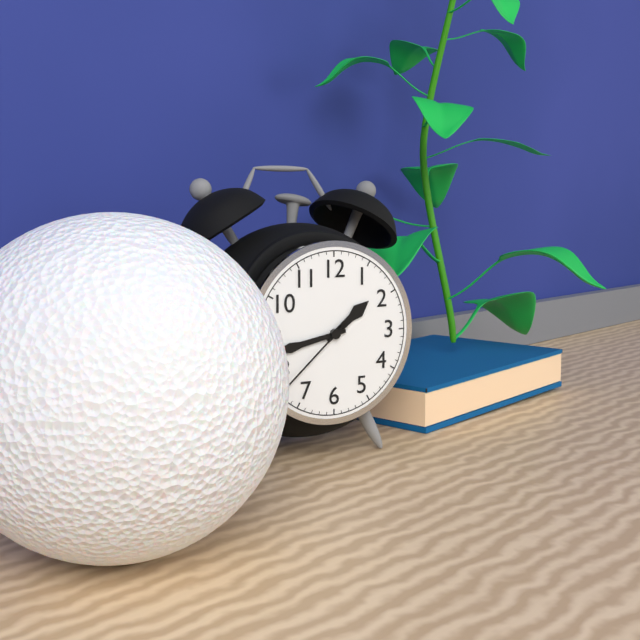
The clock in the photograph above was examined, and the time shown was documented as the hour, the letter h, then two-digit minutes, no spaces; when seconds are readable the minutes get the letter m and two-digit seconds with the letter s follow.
1h43m38s
